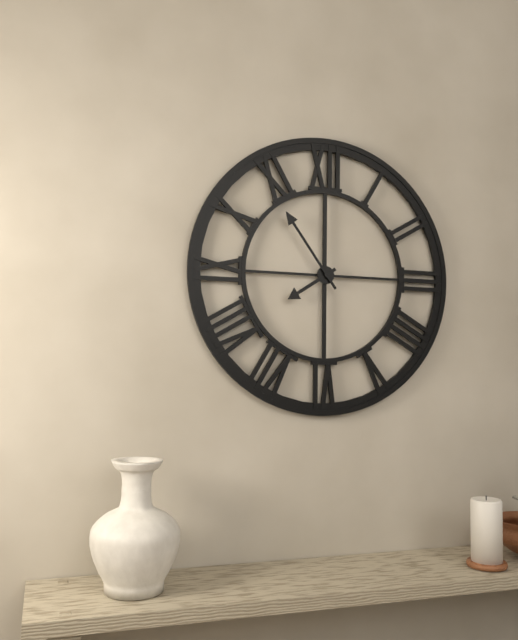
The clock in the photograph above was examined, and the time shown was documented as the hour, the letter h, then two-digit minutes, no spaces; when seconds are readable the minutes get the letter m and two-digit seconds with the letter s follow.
7h54
